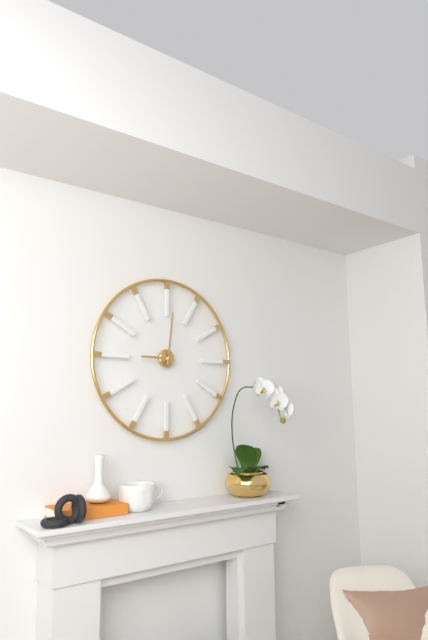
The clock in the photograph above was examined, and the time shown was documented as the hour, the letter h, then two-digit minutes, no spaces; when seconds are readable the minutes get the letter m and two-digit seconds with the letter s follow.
9h01
